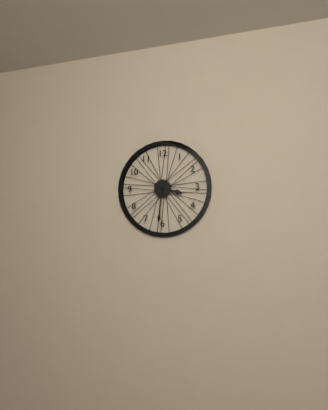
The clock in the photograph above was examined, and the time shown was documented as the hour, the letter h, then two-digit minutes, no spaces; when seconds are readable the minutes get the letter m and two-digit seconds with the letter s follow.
3h31
